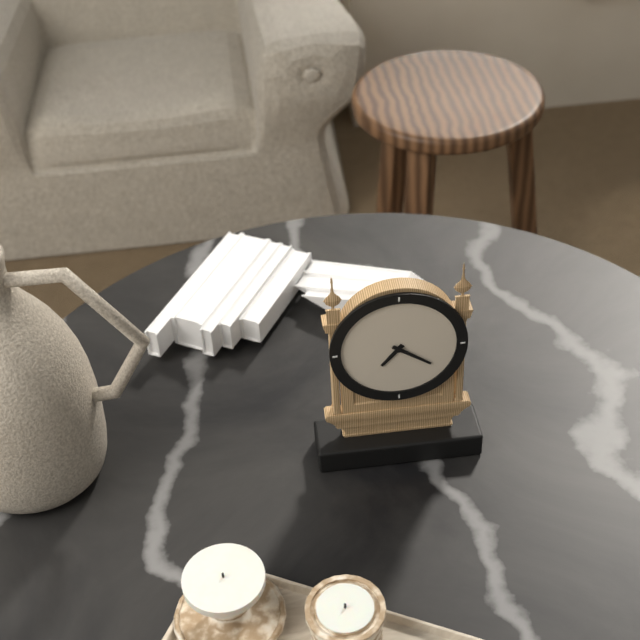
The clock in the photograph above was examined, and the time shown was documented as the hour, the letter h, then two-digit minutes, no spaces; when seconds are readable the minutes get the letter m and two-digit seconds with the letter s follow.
7h21
